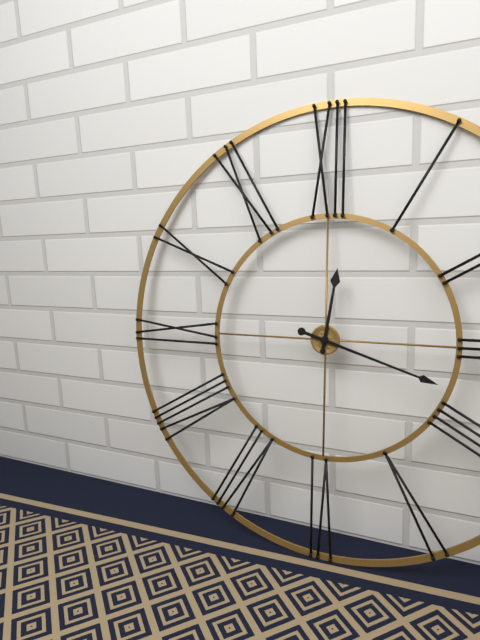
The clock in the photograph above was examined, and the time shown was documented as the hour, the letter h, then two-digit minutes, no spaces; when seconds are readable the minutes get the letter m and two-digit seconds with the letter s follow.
12h18
